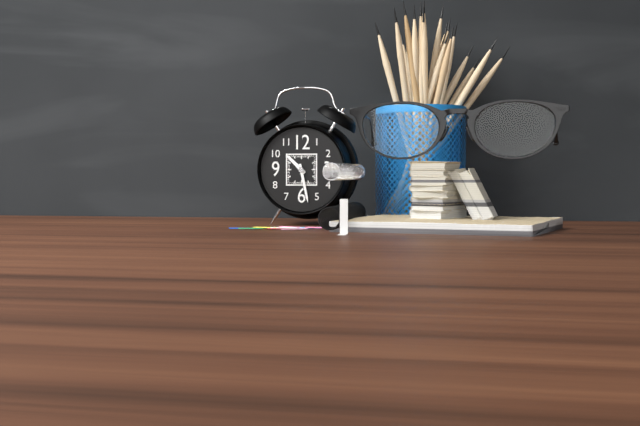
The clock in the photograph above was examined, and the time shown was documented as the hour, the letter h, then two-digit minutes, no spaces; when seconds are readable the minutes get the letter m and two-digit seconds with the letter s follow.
10h28
